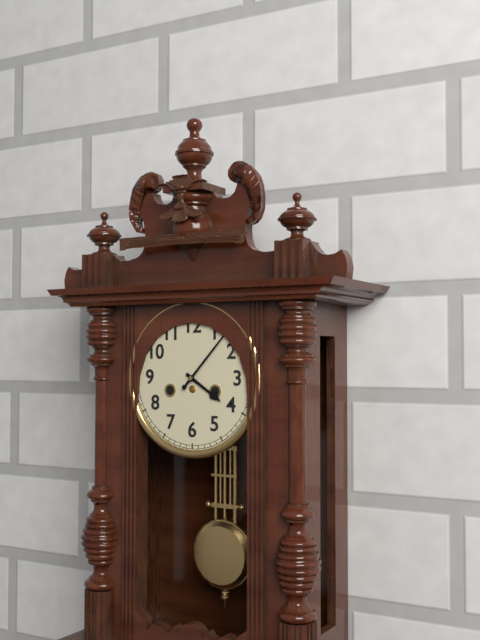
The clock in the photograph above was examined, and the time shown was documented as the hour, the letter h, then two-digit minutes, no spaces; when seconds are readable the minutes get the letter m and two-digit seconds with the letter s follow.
4h07
